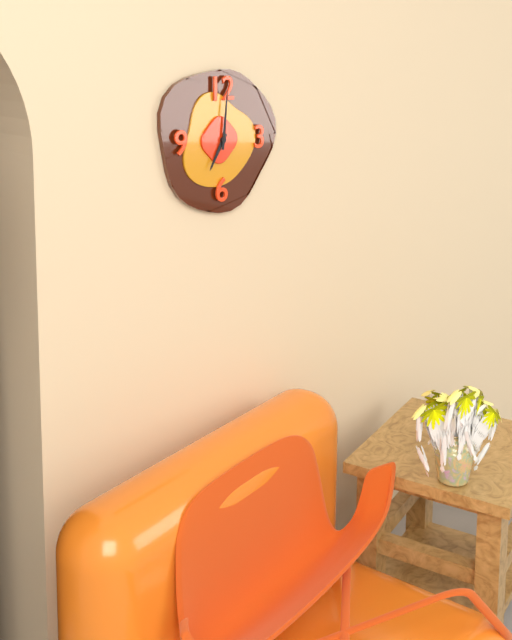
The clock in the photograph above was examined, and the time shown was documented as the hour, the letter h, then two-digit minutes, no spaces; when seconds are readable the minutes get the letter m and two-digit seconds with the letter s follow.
7h01
